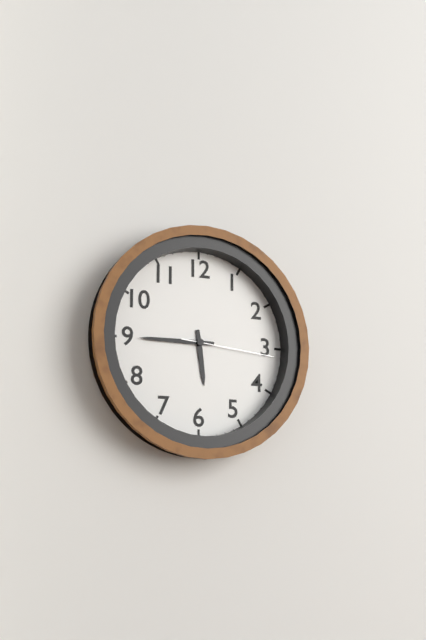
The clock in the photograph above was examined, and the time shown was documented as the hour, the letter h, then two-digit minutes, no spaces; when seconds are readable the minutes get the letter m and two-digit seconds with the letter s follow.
5h45m16s
